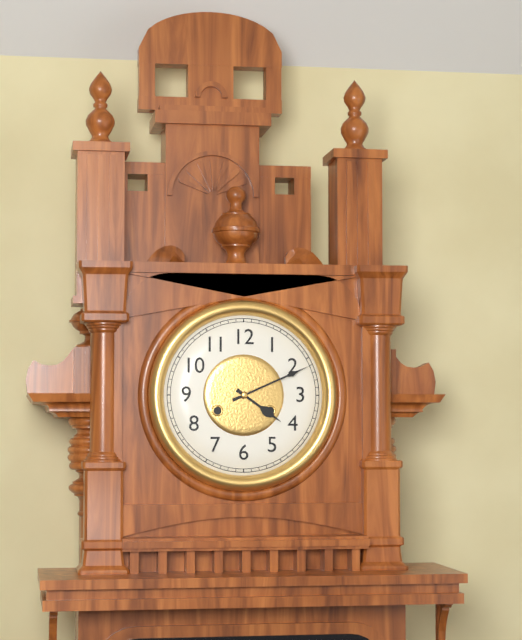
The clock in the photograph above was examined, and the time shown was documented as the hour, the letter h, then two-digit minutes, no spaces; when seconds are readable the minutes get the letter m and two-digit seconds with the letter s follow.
4h11
